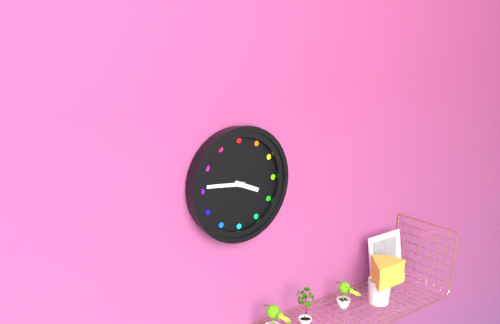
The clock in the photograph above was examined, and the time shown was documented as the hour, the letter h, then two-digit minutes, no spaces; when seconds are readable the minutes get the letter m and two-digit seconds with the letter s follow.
3h46
